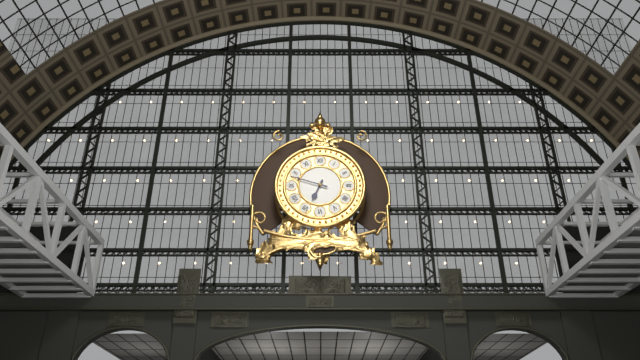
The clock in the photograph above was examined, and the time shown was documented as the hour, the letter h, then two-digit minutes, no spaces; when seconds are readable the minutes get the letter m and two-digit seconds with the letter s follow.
6h48
